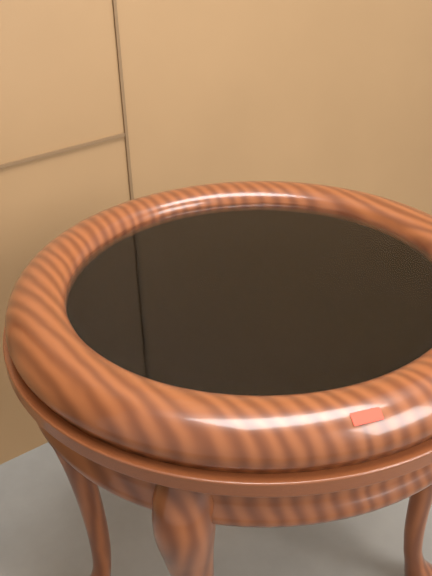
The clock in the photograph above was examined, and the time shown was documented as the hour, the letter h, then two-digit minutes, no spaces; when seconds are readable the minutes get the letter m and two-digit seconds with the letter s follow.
4h25
